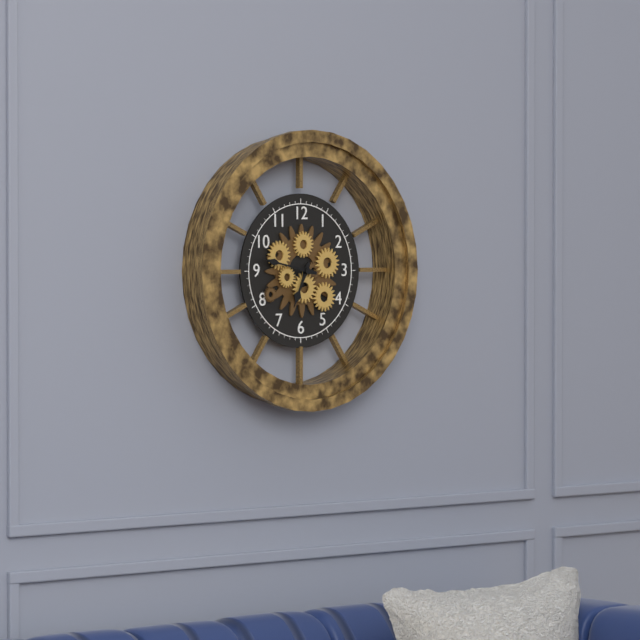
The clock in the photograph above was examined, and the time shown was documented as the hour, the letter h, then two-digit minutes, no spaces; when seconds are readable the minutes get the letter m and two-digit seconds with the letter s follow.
6h47
